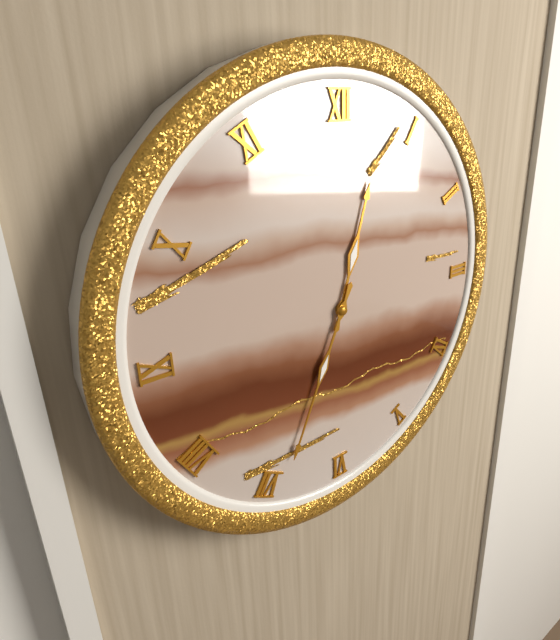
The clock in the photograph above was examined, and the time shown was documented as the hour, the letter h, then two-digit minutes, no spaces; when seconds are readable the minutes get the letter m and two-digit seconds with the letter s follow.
12h34
